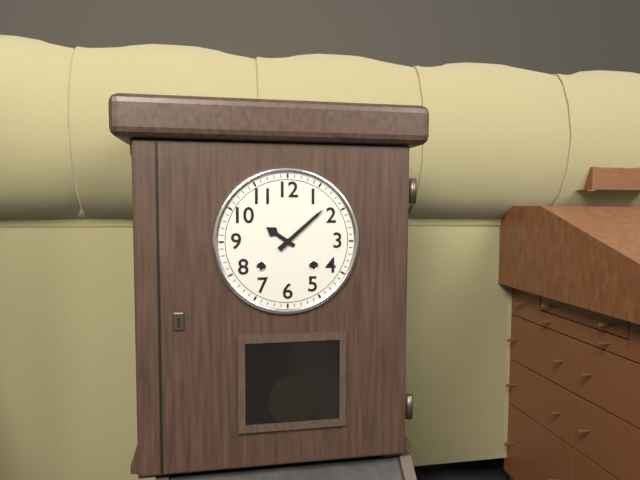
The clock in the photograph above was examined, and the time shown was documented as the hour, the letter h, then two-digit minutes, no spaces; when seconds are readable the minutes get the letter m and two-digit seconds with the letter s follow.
10h08
